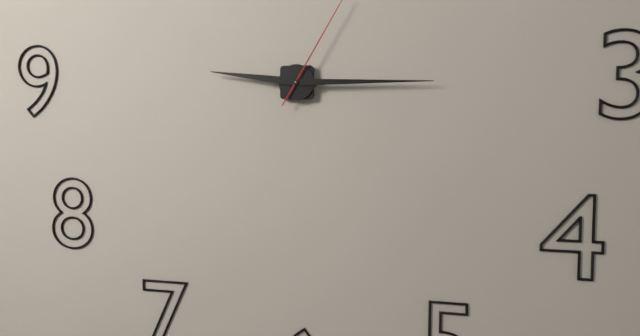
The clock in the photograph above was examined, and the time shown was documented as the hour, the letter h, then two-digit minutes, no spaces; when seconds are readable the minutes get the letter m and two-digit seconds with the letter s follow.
9h15
